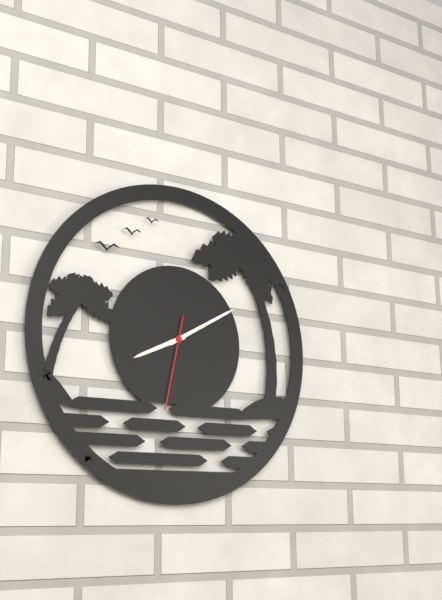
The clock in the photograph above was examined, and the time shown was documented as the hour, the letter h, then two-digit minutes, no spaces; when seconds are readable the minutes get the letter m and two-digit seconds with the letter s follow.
8h10m32s
